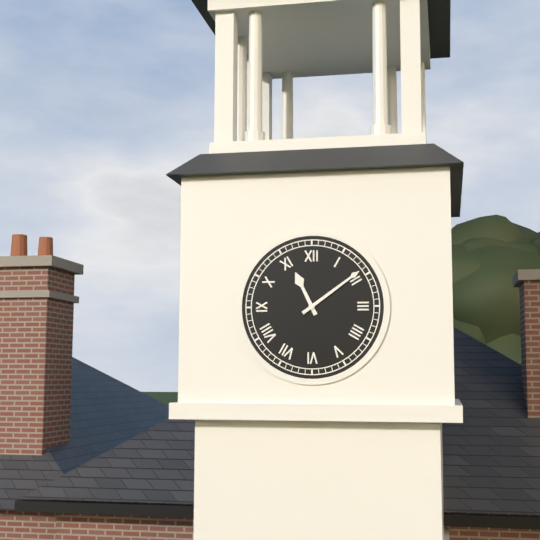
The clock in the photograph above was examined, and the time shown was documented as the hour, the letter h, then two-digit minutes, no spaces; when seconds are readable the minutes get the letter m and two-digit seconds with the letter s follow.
11h09
